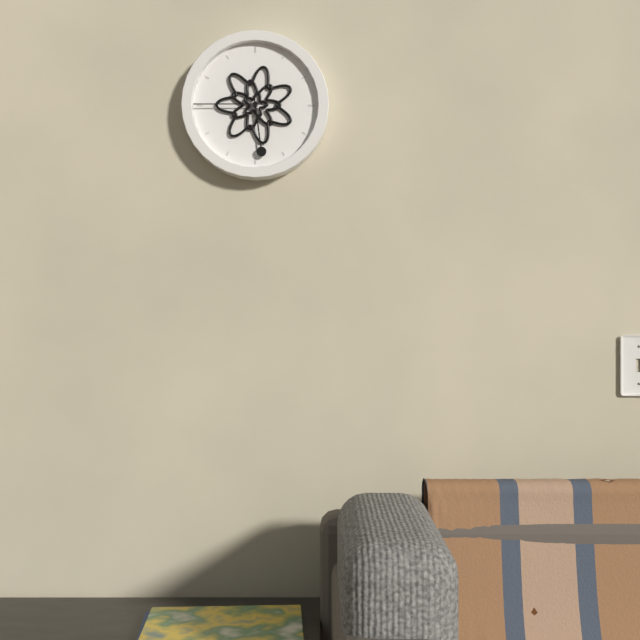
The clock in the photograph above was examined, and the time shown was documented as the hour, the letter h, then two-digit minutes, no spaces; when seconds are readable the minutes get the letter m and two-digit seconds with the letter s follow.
5h45
